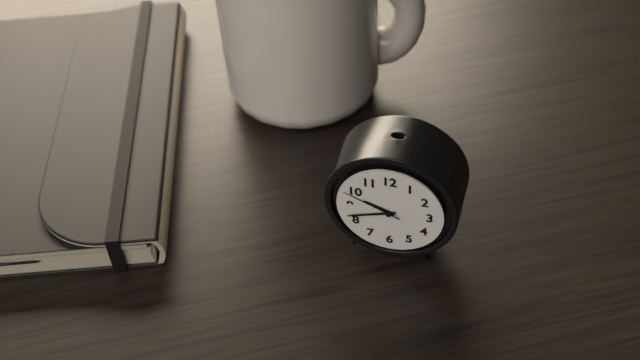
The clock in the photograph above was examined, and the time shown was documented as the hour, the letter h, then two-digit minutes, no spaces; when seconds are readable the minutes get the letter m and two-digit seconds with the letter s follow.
9h42m49s
